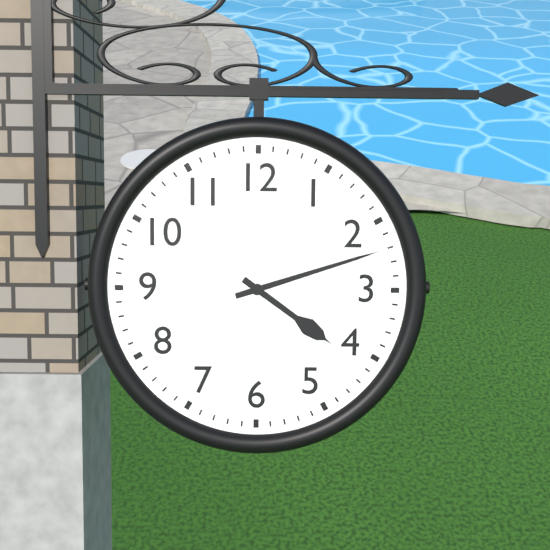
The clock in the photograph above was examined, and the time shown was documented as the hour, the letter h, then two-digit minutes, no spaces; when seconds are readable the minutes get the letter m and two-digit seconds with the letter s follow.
4h12
